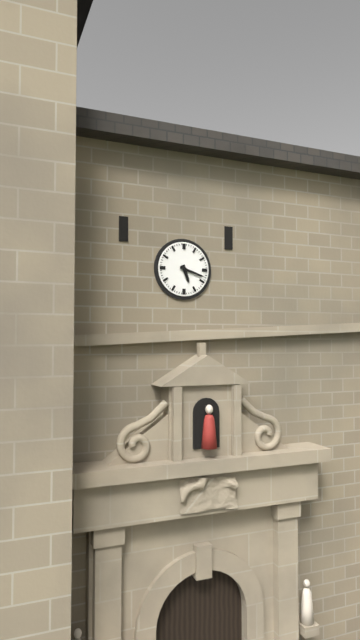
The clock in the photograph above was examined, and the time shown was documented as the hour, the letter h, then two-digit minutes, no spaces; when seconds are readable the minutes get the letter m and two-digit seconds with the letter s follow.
5h18
